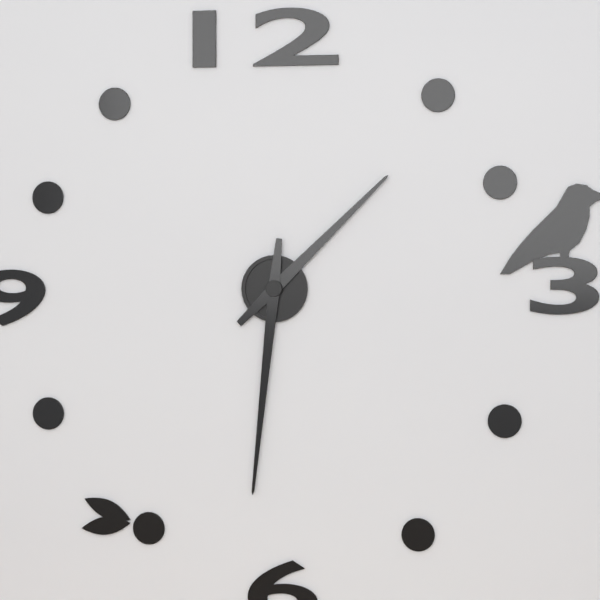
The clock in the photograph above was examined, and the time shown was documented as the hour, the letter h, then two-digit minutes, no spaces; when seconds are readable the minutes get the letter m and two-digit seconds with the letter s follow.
1h31
